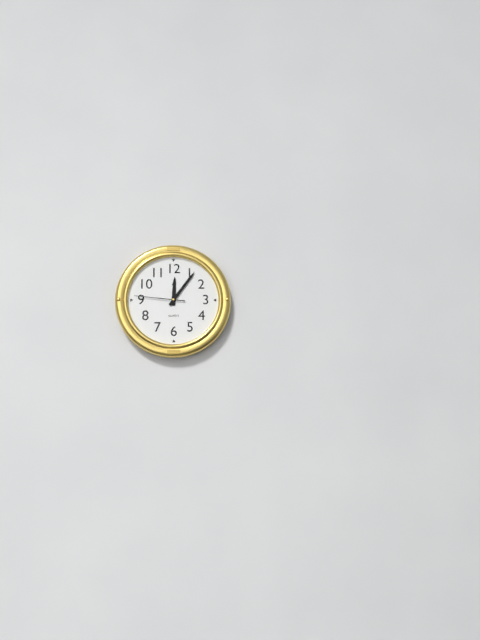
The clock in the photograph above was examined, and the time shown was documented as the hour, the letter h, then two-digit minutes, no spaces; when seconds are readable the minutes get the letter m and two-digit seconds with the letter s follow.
12h06
